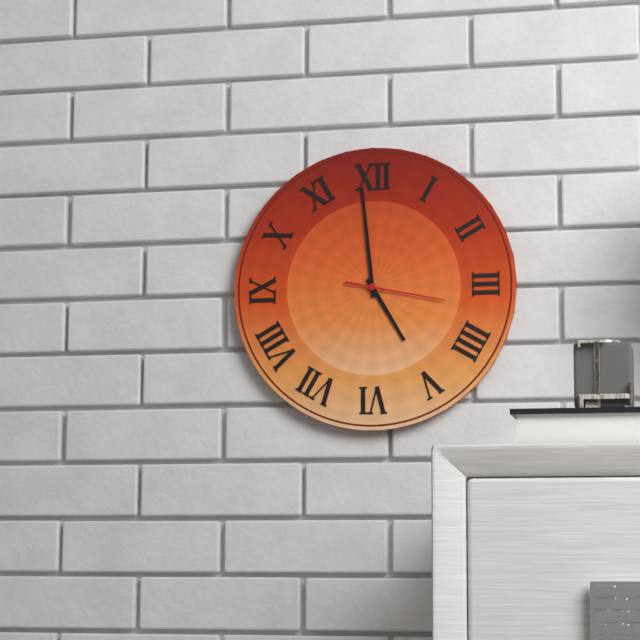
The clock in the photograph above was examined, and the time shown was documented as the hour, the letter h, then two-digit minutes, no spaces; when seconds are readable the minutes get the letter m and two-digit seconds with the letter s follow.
4h59m17s
